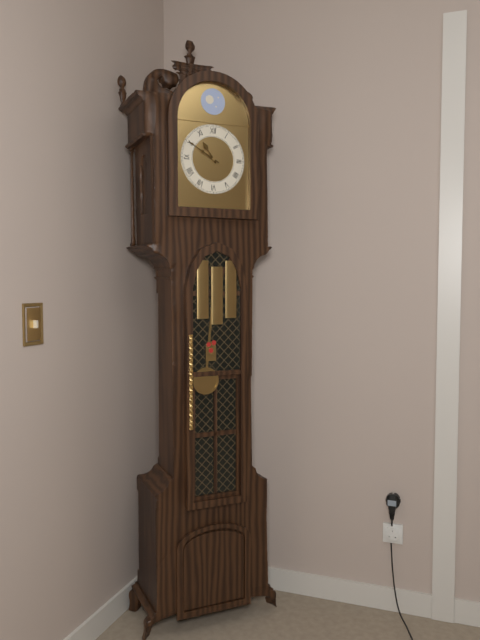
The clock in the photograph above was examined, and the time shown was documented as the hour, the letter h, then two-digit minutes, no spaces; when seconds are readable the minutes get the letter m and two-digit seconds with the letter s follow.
10h50
